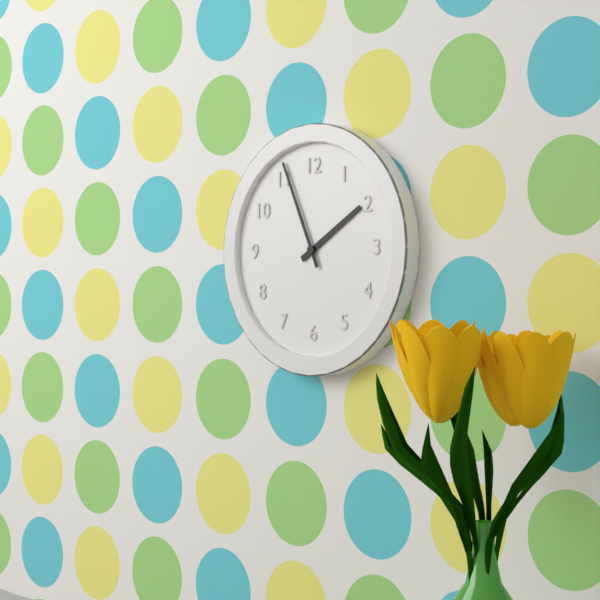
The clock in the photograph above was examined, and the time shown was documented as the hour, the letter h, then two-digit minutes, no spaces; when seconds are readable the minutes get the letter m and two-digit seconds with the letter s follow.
1h56
